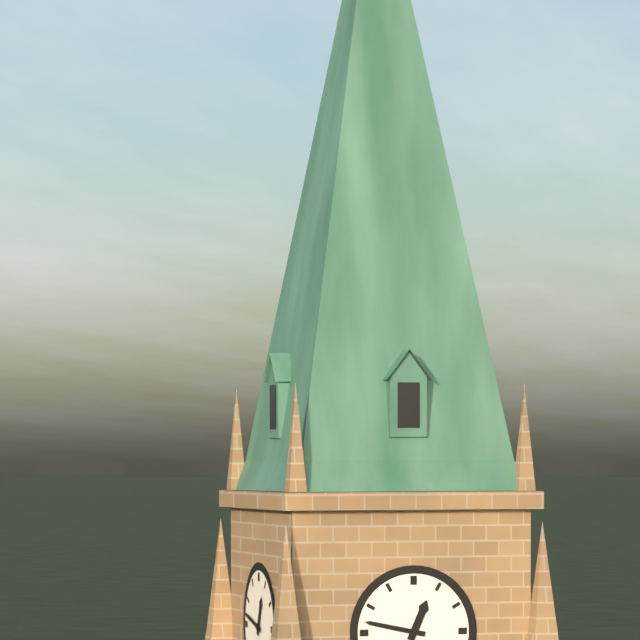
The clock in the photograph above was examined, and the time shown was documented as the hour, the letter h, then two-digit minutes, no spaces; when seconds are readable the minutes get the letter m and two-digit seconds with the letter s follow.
12h47
